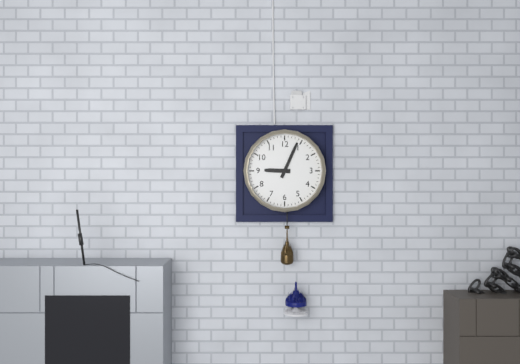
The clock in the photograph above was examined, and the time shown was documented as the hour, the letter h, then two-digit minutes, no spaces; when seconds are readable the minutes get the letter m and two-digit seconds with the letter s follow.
9h04
